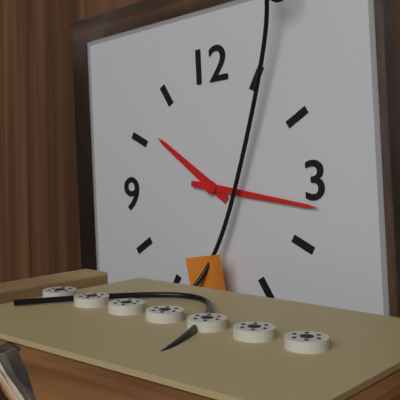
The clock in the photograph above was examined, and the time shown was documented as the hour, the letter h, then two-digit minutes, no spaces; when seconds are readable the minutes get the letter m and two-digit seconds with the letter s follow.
10h17
